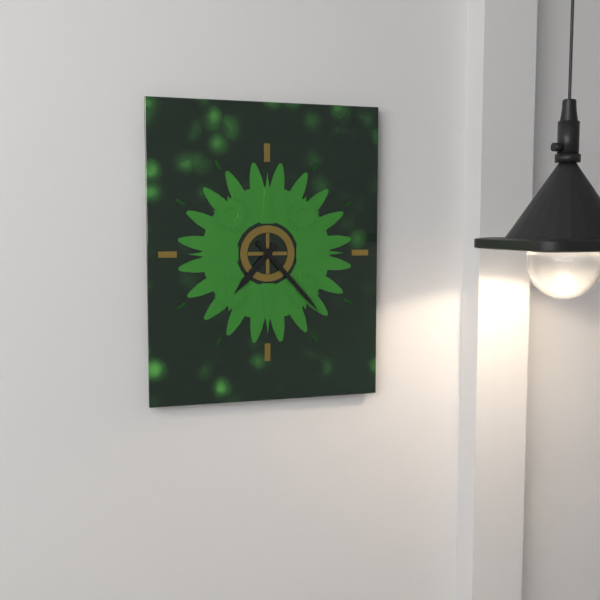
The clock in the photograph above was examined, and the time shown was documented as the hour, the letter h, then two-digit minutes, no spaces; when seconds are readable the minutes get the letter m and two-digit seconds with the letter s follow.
7h23
